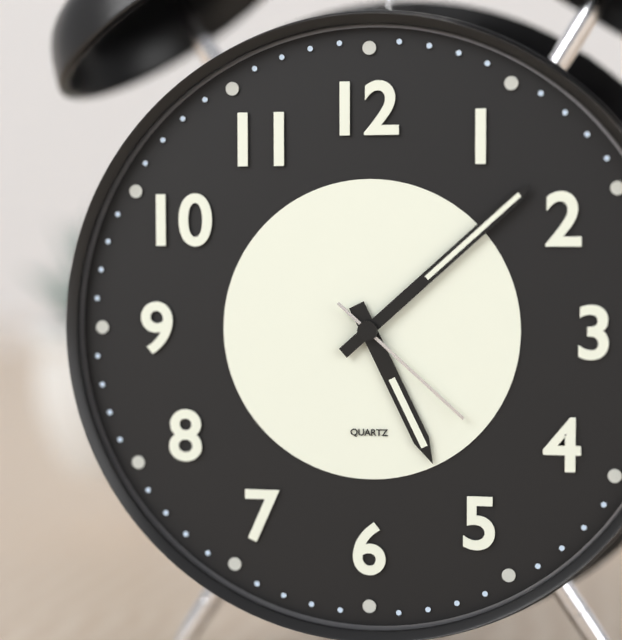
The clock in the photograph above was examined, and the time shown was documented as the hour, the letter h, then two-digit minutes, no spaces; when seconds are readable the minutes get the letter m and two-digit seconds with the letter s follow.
5h08m22s
